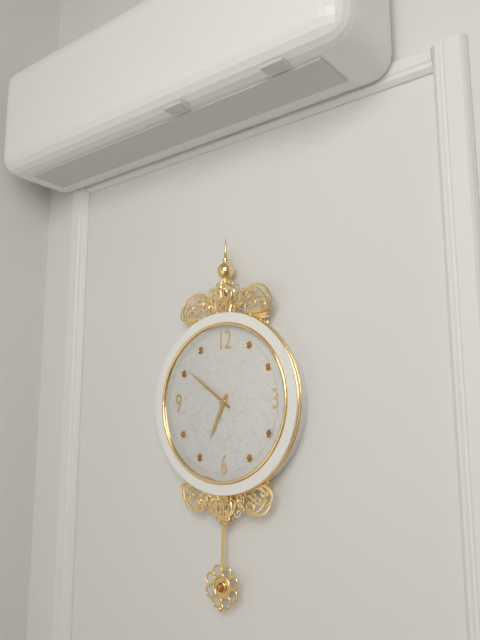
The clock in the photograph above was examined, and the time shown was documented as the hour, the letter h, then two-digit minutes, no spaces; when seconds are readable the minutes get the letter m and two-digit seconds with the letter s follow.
6h51
